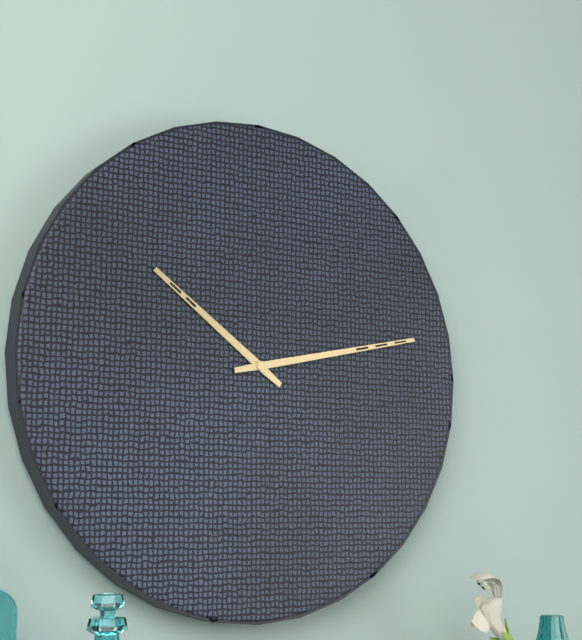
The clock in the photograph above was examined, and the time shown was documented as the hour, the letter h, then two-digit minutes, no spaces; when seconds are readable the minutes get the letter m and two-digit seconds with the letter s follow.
10h13
